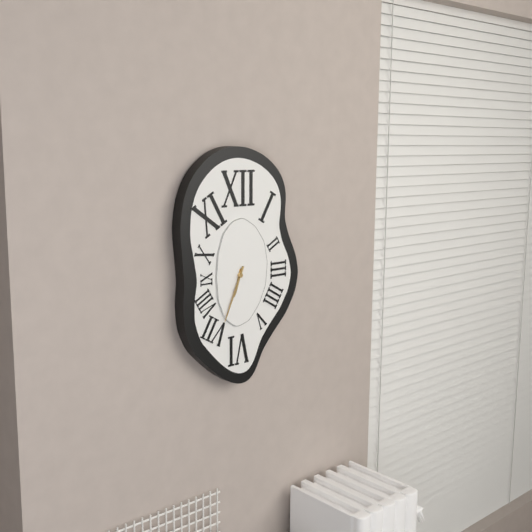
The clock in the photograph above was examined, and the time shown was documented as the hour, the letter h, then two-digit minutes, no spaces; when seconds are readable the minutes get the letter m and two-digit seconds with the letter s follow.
6h34
